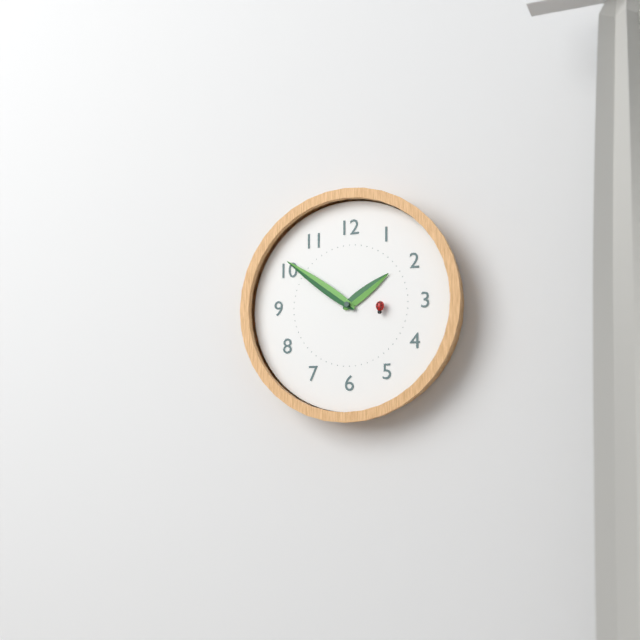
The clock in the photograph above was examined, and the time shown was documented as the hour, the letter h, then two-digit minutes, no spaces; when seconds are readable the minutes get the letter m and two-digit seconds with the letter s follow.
1h51
